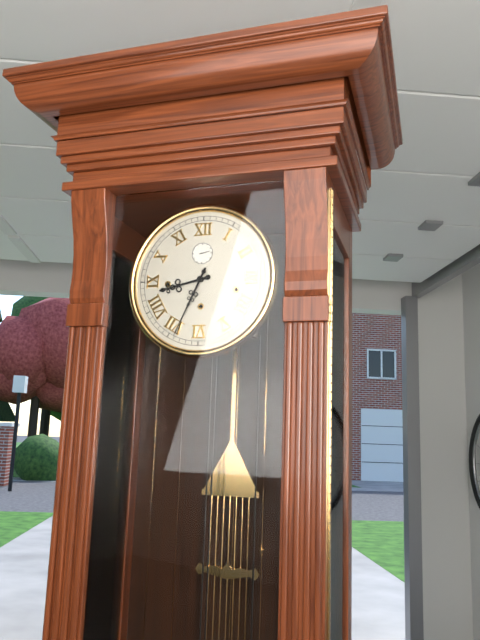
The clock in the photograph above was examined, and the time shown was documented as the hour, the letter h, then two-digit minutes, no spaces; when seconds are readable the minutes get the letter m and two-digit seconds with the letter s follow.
8h34
